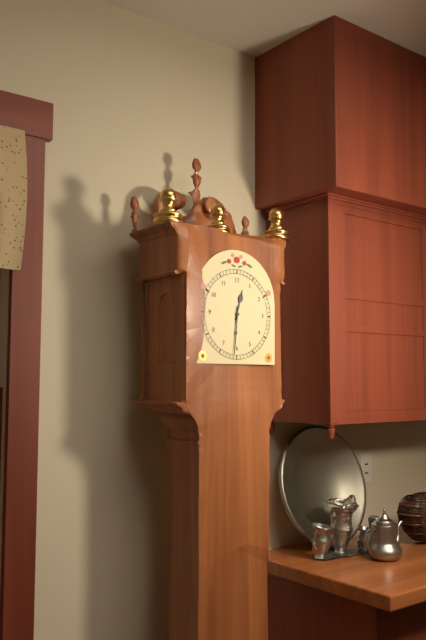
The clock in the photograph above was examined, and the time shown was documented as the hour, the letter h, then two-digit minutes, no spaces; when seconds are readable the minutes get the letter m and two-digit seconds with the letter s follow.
12h31
